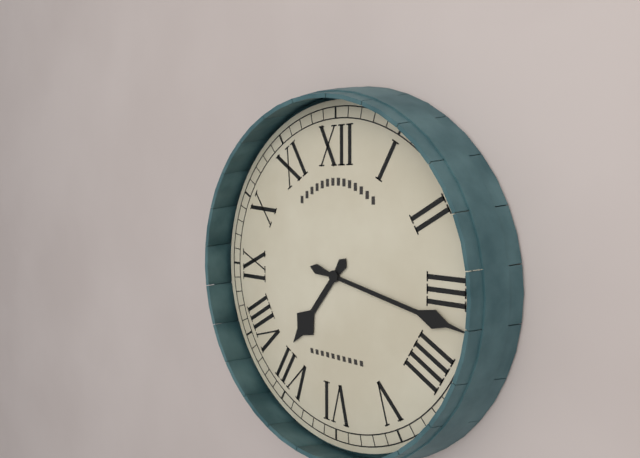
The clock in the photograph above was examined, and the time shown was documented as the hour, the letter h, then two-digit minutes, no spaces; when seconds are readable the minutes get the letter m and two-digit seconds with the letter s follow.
7h17
